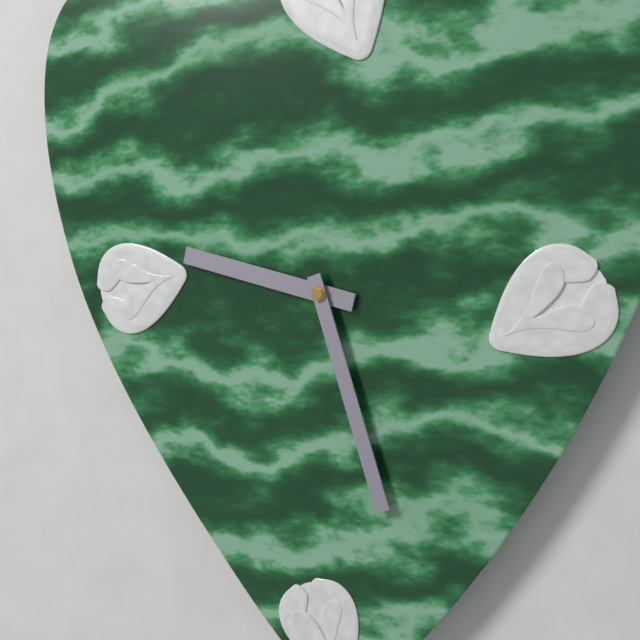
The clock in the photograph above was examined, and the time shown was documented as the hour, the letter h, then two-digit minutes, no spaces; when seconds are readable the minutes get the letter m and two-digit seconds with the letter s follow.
9h27
